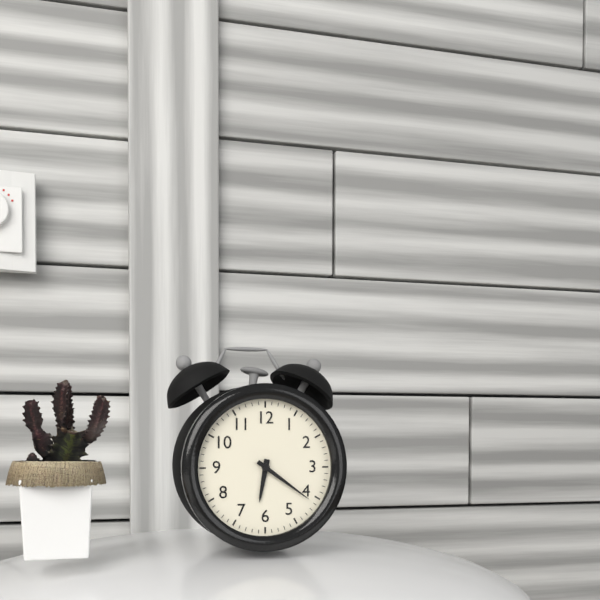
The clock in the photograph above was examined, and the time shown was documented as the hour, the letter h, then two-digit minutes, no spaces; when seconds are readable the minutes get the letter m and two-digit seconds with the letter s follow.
6h21
